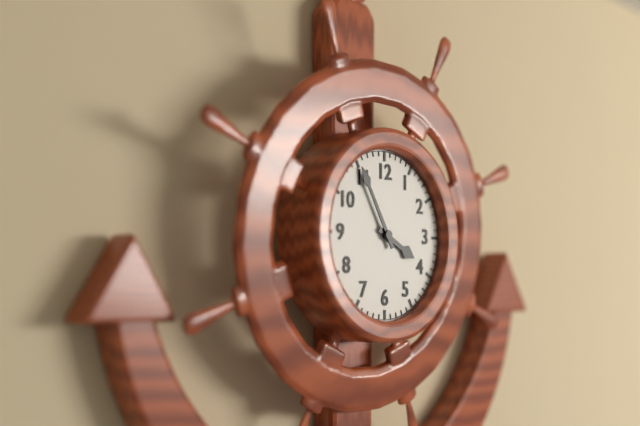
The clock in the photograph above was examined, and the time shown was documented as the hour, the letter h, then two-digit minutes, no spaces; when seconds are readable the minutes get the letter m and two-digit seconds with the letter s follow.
3h55
